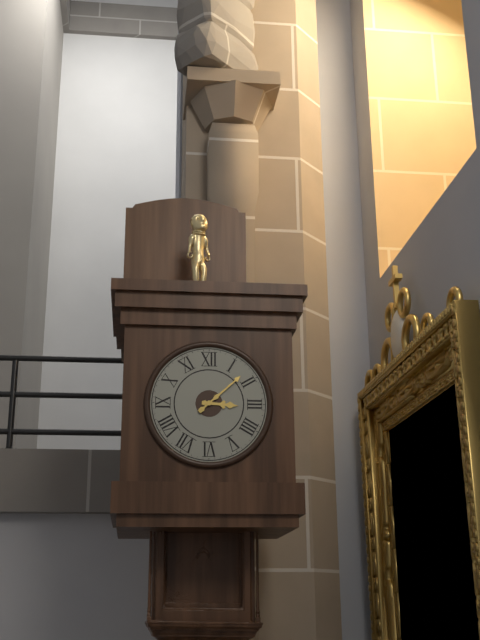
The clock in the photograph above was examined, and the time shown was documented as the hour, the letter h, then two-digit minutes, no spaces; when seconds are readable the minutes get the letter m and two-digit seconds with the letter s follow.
3h08
